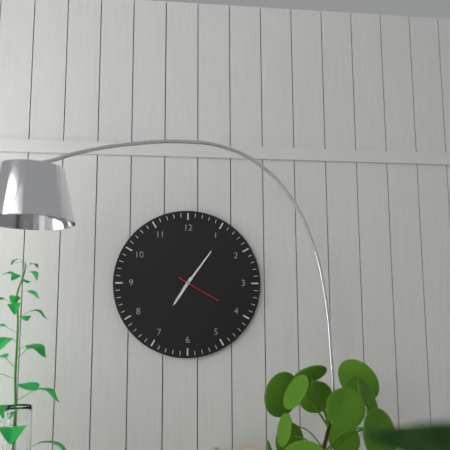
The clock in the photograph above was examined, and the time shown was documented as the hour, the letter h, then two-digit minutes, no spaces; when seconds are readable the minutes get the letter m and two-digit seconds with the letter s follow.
7h06
